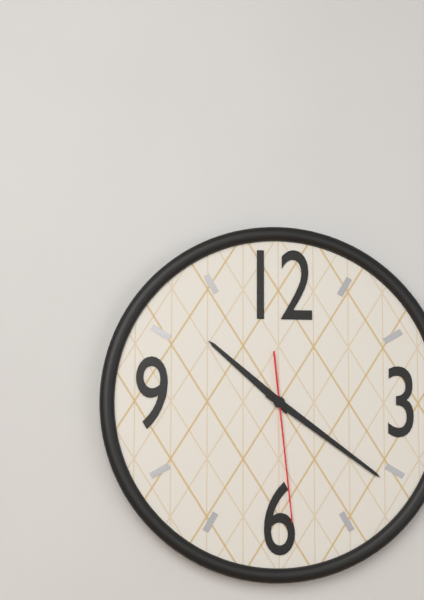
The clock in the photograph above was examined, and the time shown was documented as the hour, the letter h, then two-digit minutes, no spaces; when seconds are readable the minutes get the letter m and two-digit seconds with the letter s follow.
10h21m29s
